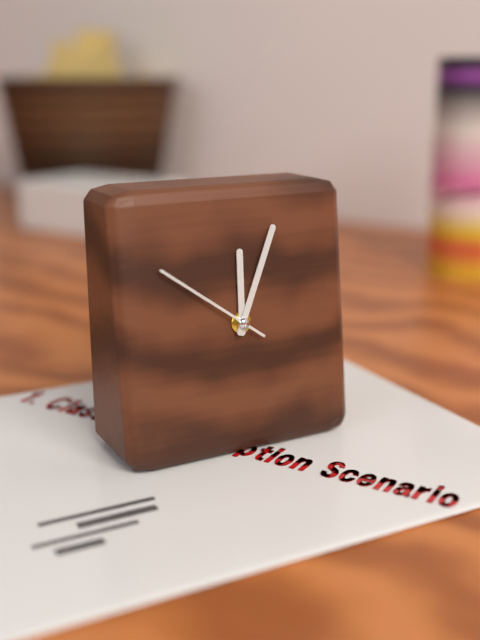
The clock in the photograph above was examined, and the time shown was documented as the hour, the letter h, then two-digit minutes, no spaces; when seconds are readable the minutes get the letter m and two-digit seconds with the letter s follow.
12h04m51s
